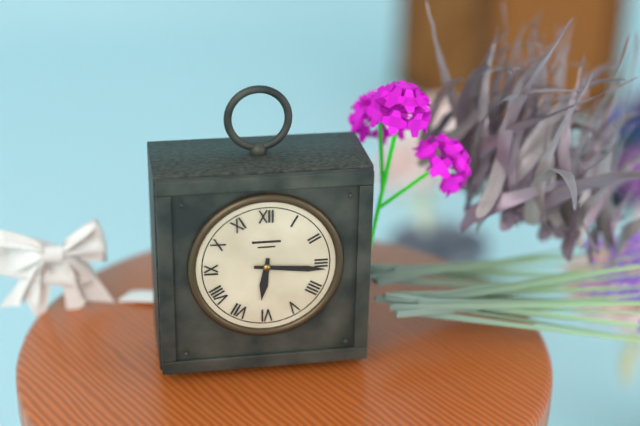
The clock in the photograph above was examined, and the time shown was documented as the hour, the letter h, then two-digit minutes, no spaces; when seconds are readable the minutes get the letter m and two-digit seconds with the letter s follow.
6h16
